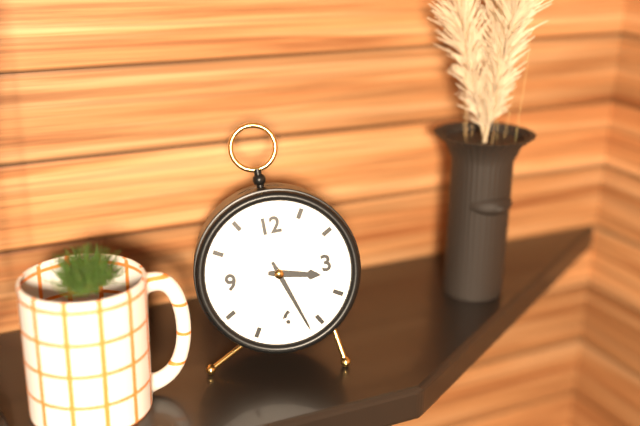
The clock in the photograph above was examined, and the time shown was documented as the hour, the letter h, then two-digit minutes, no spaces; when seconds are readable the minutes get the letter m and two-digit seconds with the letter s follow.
3h27
